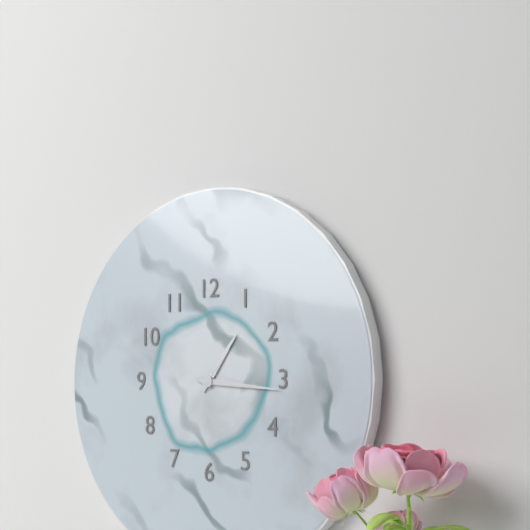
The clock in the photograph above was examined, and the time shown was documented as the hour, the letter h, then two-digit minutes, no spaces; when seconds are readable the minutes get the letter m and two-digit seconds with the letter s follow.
1h16
